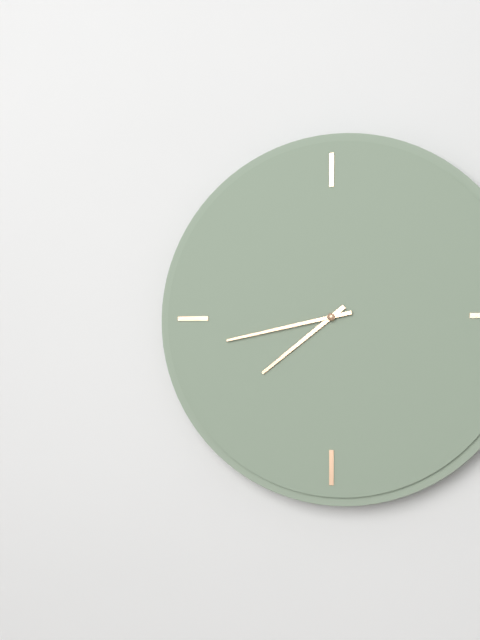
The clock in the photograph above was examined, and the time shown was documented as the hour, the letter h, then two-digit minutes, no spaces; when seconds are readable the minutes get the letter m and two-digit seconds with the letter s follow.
7h43
